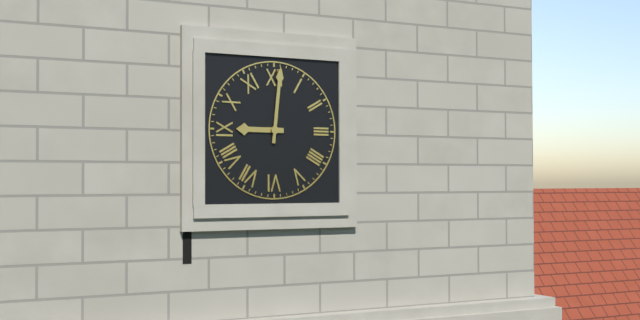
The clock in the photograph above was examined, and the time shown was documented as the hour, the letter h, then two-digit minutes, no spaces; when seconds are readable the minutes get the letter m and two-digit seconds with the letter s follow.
9h01
